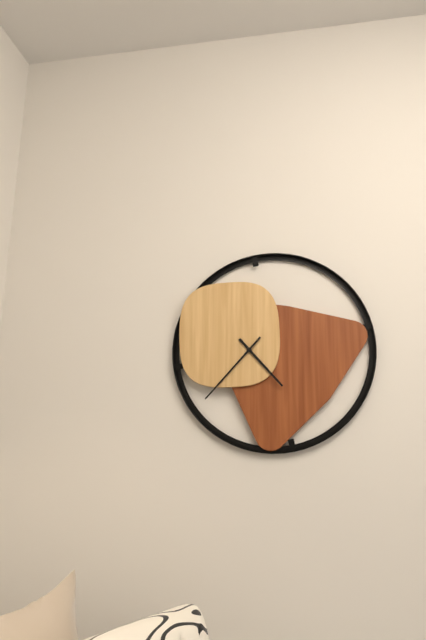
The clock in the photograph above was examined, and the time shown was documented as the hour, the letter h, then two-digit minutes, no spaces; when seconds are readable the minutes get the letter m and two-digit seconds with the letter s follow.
4h37
